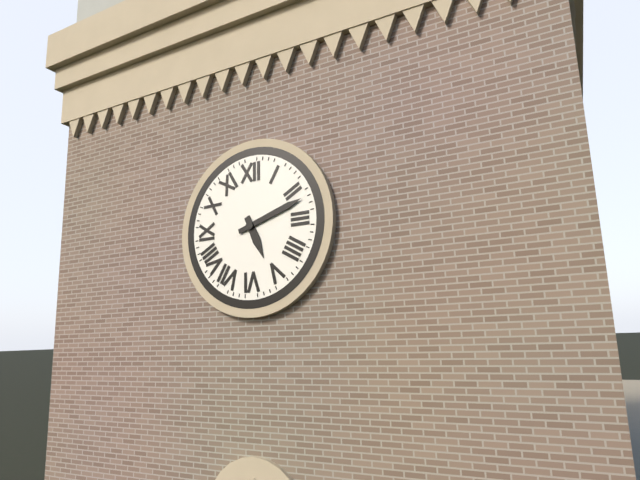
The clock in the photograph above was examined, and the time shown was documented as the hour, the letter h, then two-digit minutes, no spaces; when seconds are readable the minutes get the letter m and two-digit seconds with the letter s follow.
5h12
